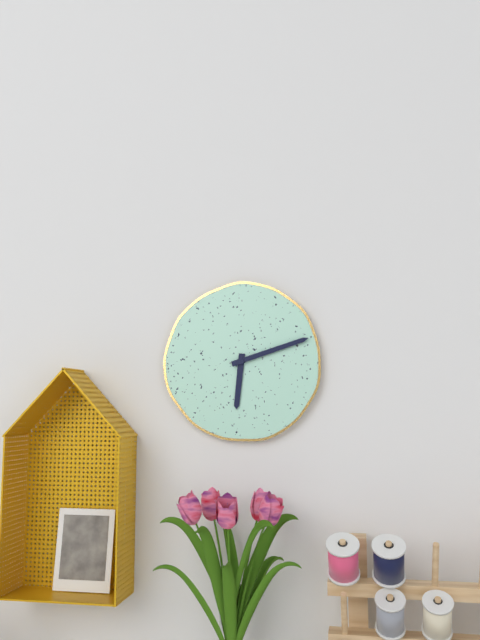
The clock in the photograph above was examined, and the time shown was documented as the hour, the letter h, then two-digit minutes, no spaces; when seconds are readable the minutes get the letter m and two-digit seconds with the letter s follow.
6h12
